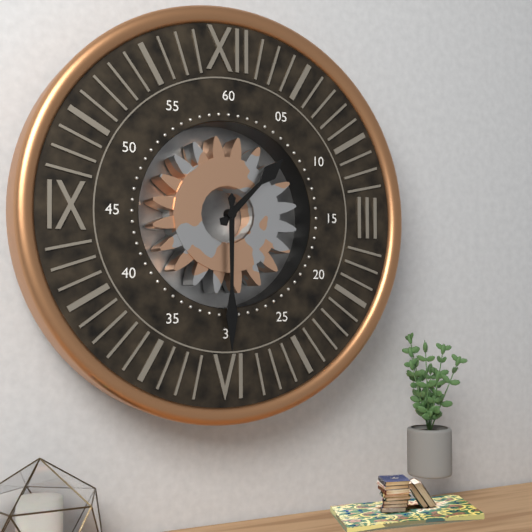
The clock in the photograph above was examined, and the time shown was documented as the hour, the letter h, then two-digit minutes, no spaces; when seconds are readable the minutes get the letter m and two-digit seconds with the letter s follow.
1h30
